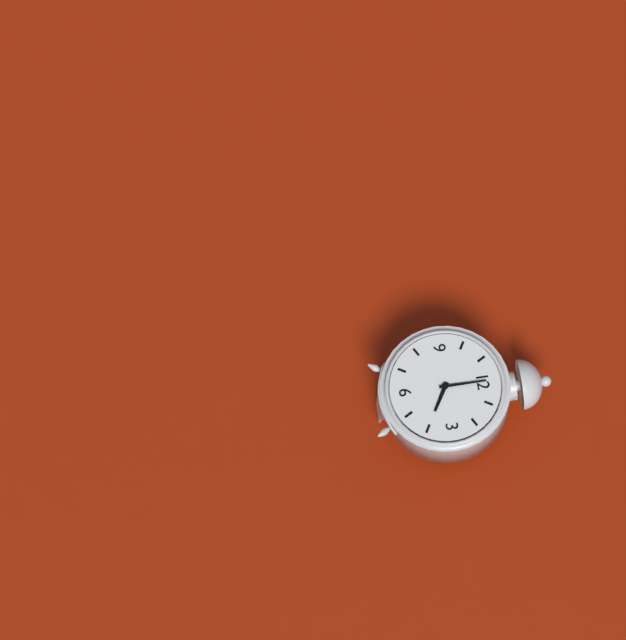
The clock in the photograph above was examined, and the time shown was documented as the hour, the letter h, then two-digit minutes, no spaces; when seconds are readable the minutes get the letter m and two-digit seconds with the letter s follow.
4h00
